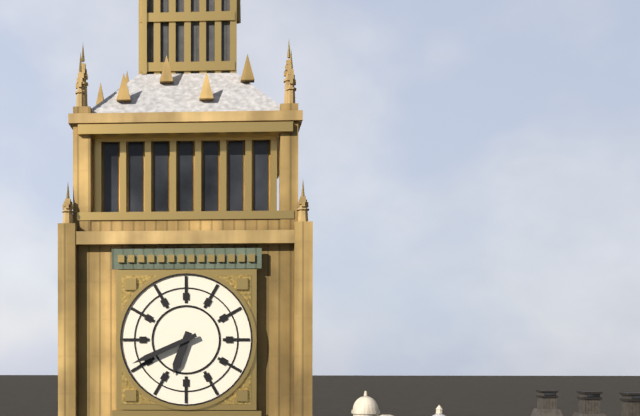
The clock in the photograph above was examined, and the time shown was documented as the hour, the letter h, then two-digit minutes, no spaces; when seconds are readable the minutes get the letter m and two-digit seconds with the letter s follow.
6h41
